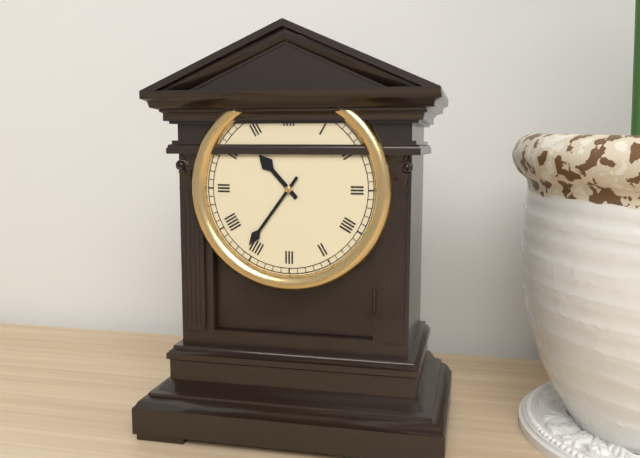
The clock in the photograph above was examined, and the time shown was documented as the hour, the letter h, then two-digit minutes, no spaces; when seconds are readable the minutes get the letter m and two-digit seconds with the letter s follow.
10h36
